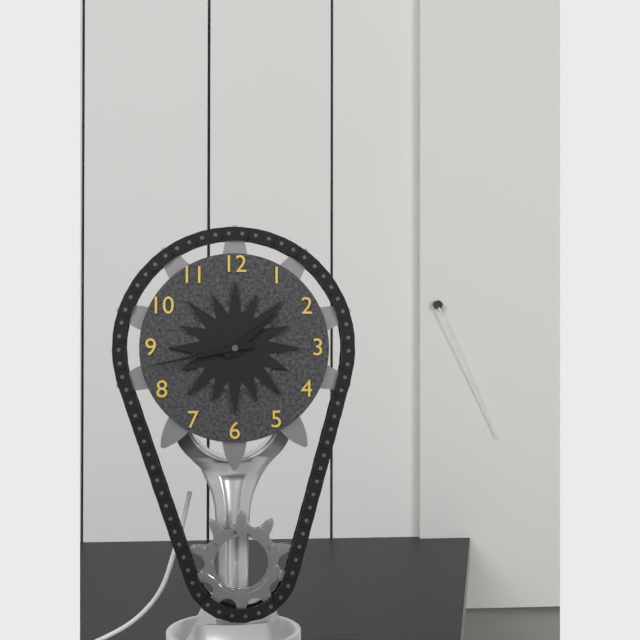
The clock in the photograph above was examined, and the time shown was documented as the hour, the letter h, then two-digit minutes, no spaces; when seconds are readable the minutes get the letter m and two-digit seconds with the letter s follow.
1h43
